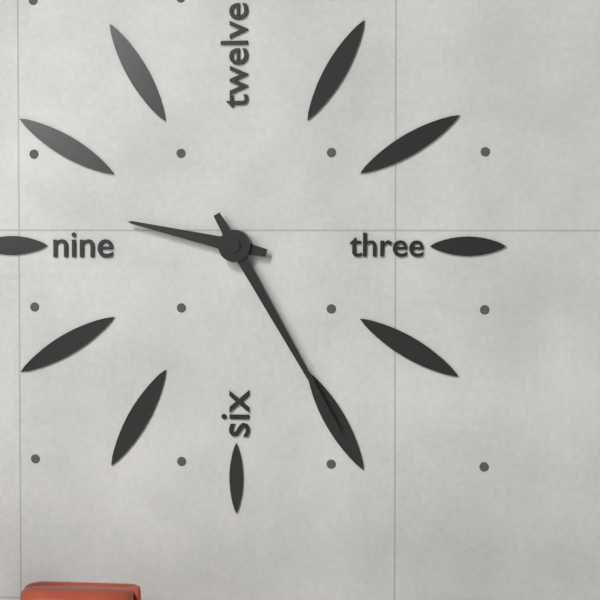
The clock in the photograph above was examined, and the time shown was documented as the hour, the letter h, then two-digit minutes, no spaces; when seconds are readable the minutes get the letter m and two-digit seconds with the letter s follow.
9h25
